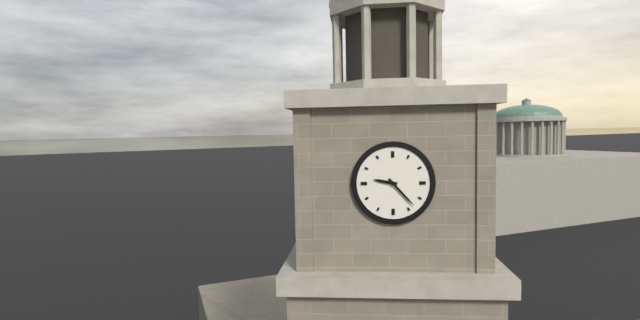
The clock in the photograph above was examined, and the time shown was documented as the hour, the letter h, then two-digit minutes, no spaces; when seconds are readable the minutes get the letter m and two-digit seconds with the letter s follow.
9h23
